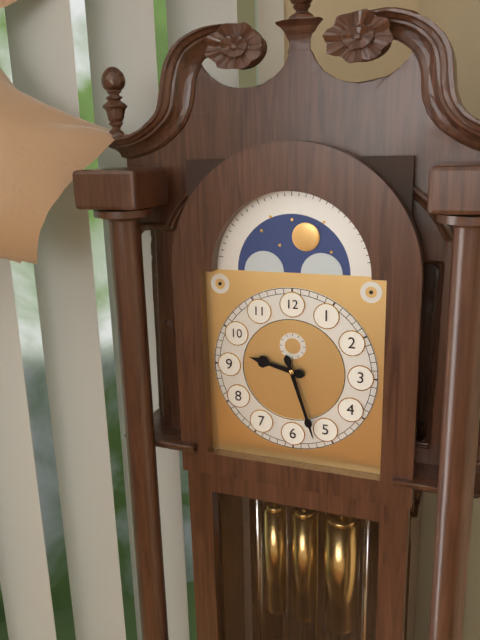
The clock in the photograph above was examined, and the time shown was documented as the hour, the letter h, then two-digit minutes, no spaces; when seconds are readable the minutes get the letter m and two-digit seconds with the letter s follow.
9h27
